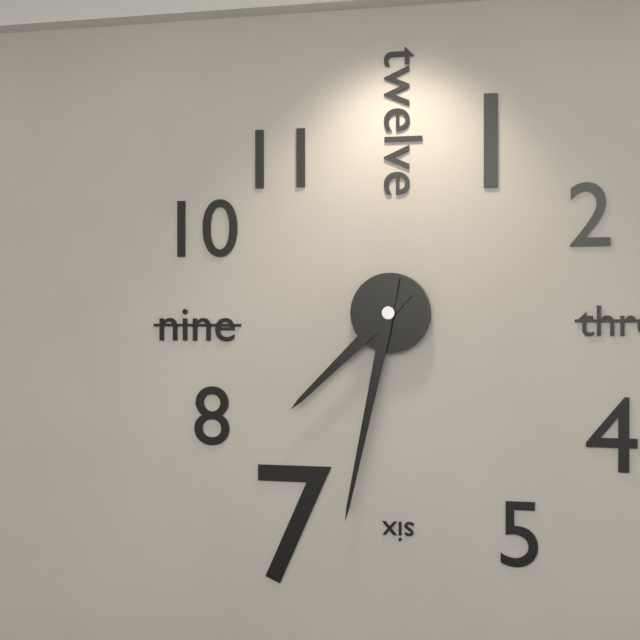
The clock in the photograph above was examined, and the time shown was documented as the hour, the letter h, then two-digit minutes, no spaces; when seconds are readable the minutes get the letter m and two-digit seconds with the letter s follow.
7h32
